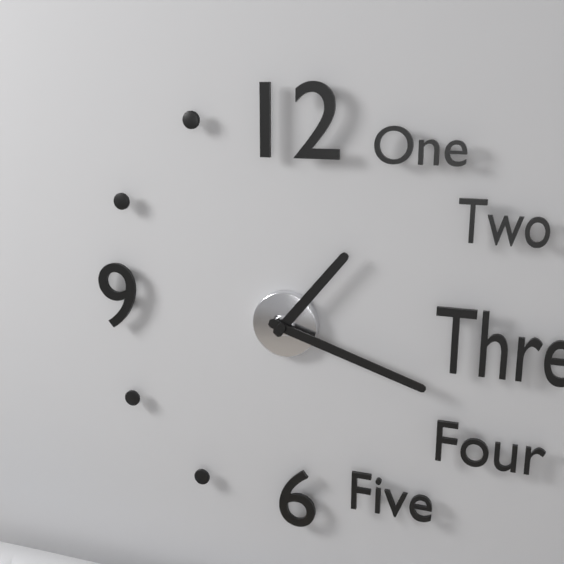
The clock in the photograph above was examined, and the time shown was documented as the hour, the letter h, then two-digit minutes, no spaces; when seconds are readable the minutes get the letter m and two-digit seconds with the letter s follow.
1h18
